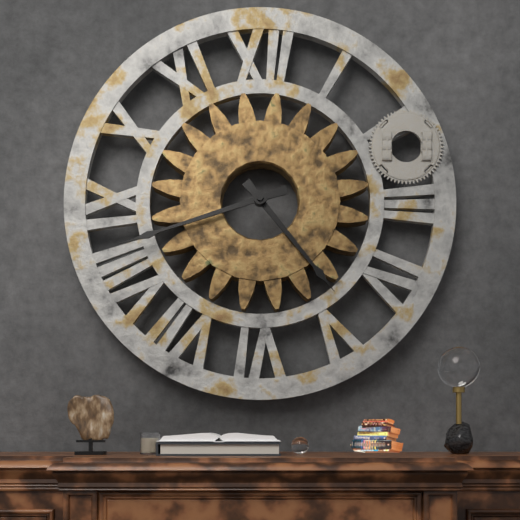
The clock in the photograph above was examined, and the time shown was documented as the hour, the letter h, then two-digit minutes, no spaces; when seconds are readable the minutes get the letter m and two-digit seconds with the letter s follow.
4h42
